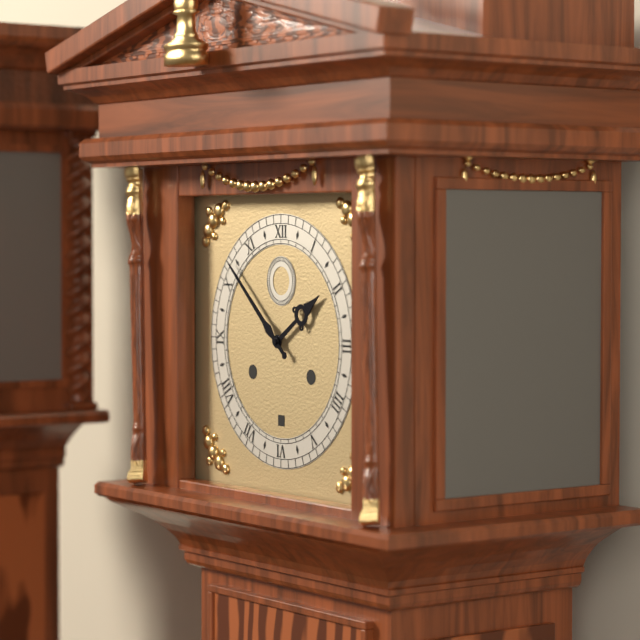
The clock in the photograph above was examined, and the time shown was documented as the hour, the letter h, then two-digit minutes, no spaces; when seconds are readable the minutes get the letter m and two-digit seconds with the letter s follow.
1h52
